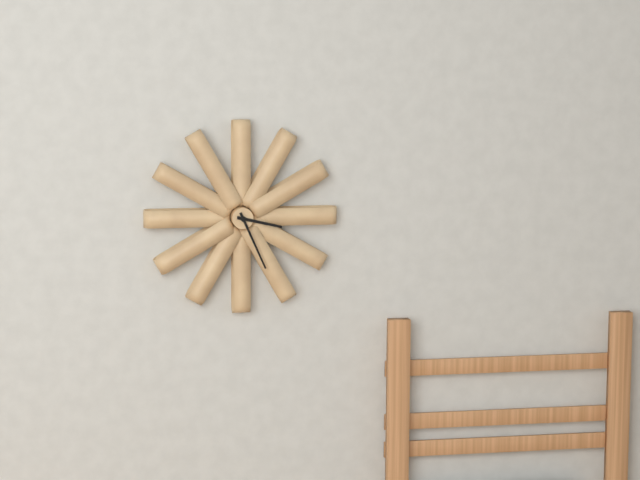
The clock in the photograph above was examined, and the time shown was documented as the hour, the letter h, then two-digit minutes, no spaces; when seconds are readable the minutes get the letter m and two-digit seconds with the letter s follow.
3h26
